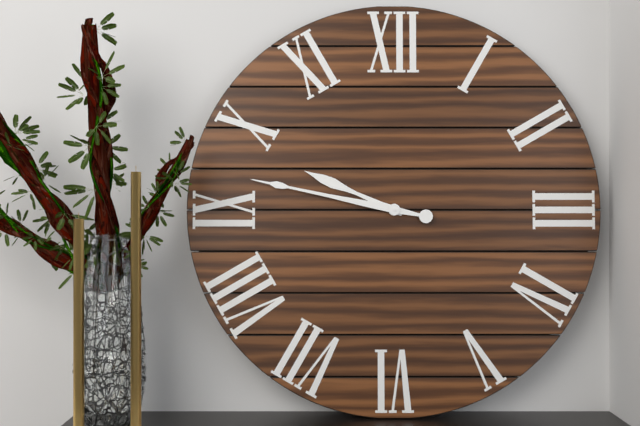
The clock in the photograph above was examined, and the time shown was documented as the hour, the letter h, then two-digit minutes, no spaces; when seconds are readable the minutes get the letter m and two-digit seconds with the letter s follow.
9h47
